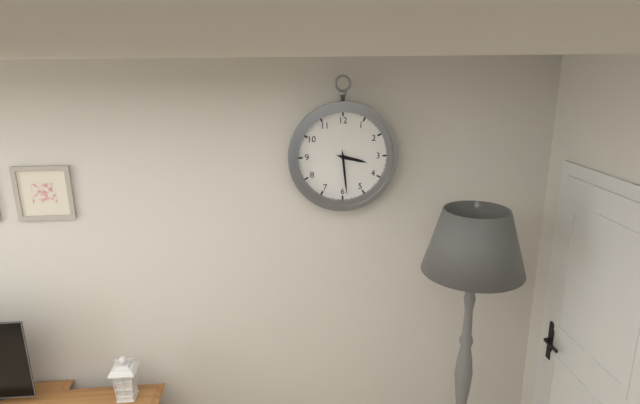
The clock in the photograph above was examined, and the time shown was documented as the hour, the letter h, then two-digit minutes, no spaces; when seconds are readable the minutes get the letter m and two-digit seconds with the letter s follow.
3h29
